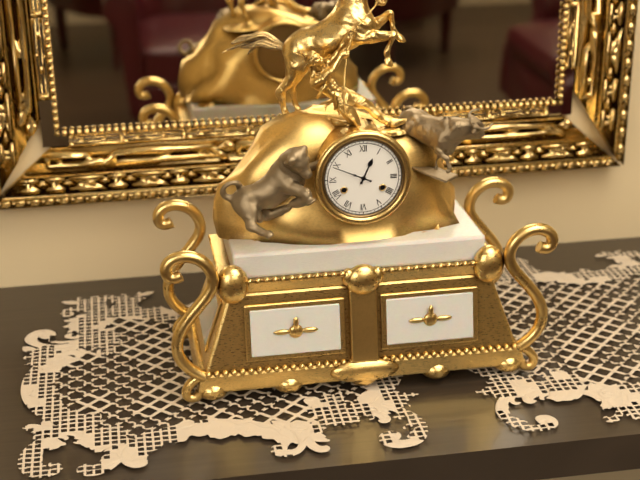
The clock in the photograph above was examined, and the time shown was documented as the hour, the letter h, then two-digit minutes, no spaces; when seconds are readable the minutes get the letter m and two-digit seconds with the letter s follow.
12h49
